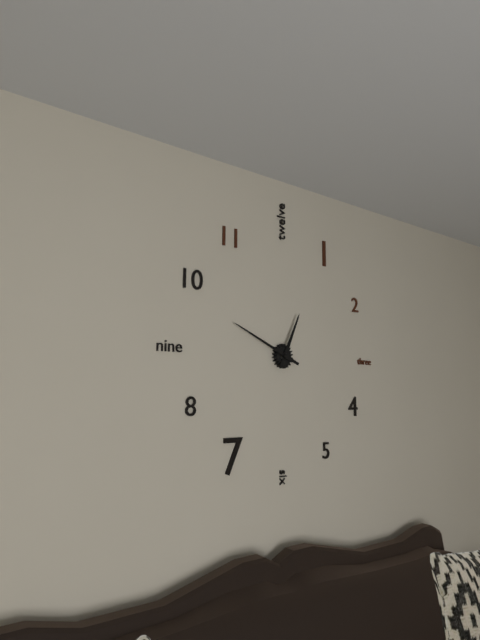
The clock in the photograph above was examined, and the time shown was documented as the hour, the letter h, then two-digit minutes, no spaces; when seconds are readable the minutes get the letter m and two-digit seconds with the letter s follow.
12h49
